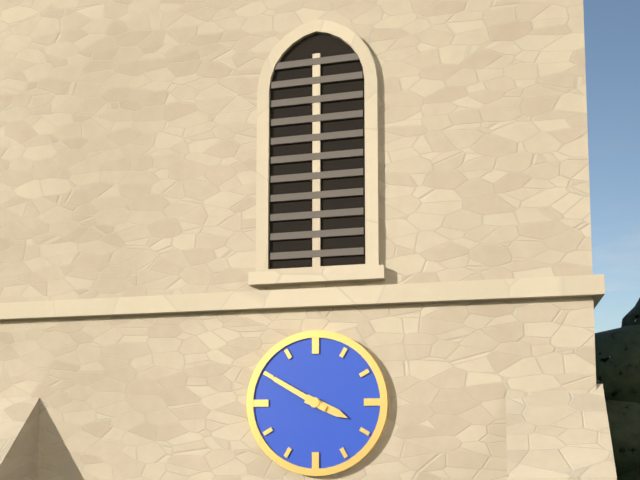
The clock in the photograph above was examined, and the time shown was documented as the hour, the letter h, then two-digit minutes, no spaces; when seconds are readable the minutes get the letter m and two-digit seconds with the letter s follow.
3h50
